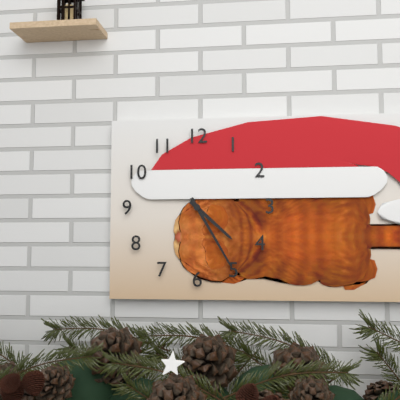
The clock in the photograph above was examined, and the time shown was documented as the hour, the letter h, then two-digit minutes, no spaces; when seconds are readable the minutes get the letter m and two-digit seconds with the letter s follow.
4h25
